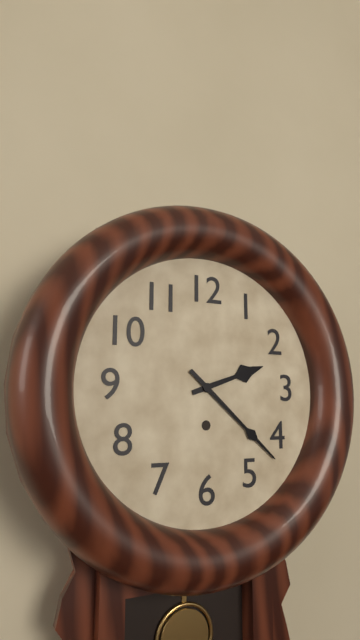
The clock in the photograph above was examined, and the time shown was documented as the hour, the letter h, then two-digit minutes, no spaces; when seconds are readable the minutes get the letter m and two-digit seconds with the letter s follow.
2h22
